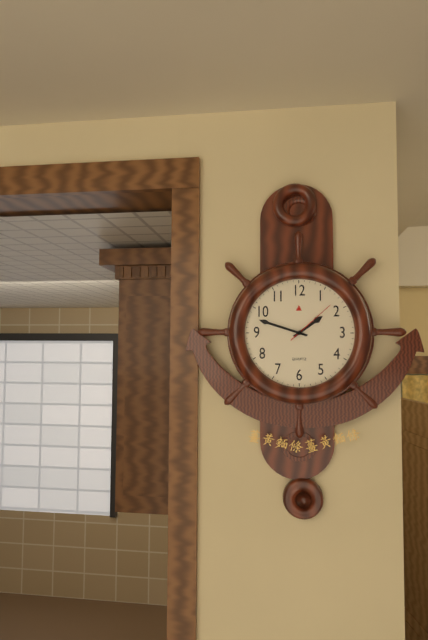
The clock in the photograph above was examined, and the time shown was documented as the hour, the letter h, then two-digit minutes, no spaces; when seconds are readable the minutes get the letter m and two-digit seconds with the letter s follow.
1h48m08s
